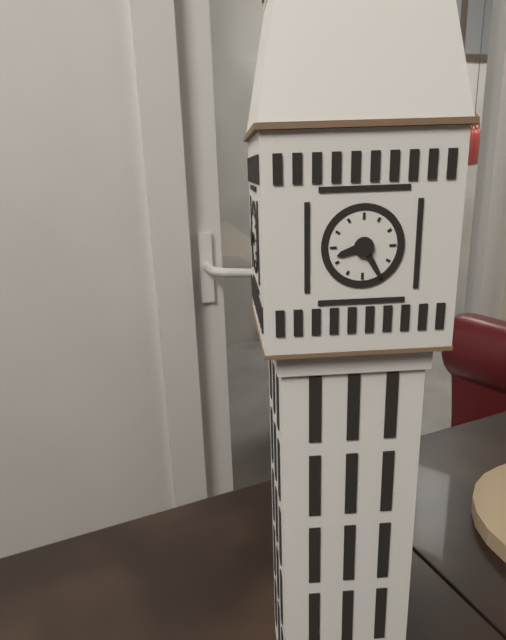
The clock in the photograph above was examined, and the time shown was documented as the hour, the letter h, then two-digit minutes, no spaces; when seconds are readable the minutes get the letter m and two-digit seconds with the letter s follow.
8h25
